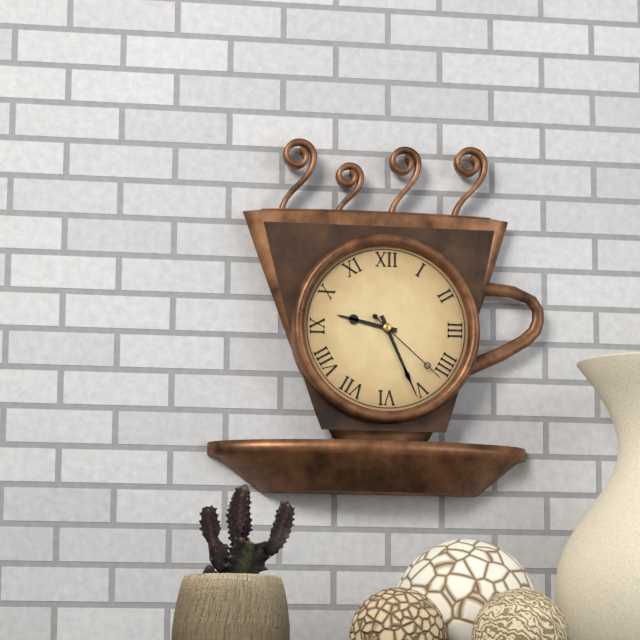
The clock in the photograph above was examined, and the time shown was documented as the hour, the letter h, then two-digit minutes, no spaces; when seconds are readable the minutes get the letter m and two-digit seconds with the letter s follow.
9h26m22s
